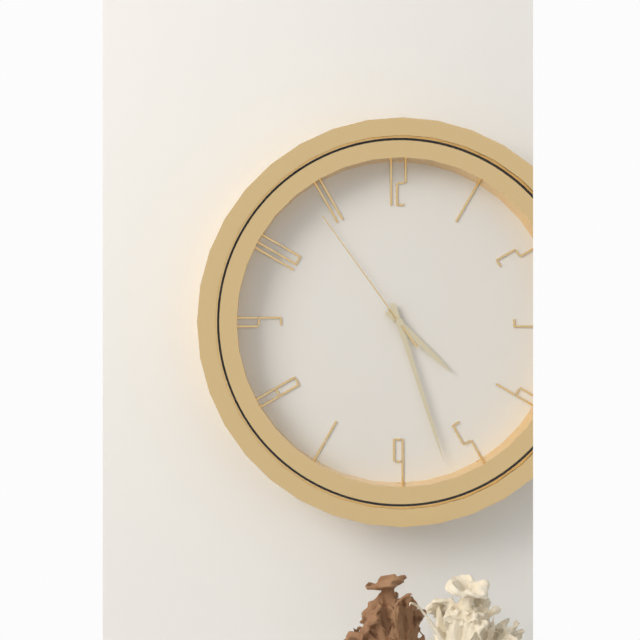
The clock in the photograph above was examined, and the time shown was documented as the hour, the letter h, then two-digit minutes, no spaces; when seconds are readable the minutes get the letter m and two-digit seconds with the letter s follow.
4h27m54s
